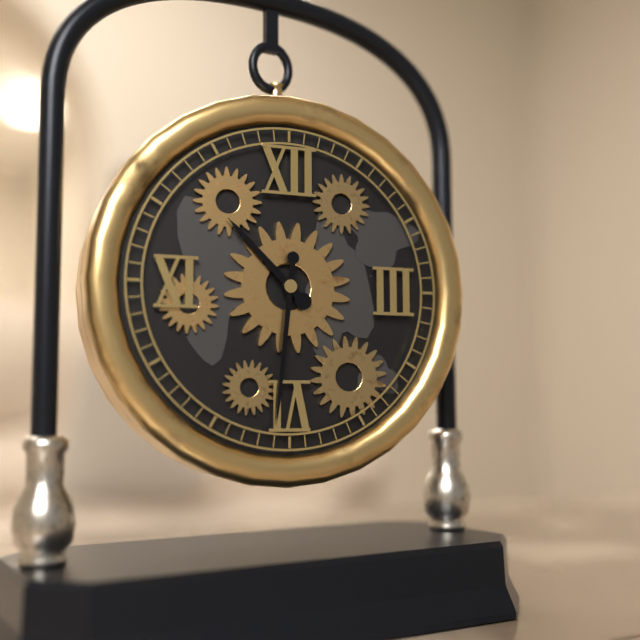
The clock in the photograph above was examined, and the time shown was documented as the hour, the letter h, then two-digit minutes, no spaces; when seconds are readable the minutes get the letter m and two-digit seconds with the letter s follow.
10h31
